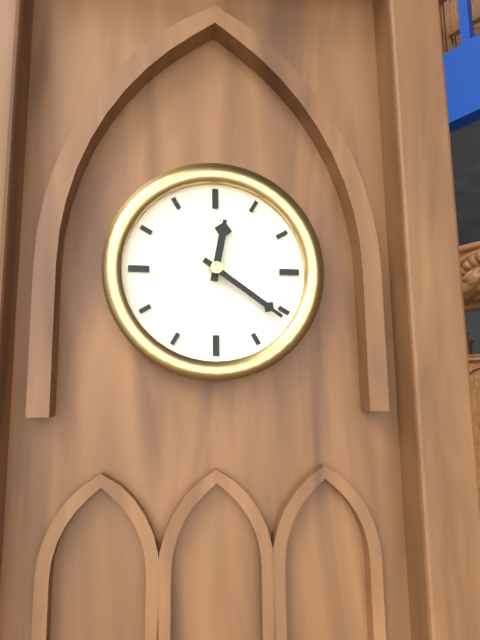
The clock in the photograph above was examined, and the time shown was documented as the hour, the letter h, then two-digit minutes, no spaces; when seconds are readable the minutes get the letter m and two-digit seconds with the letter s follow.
12h21
